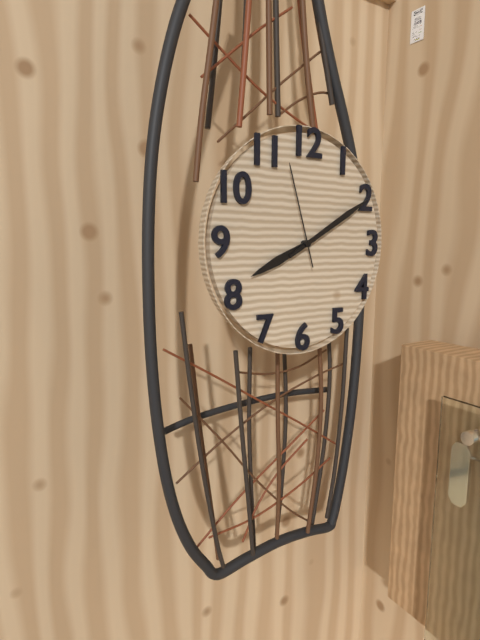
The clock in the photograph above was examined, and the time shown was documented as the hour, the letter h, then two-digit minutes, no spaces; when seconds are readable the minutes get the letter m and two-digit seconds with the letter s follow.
8h10m57s
